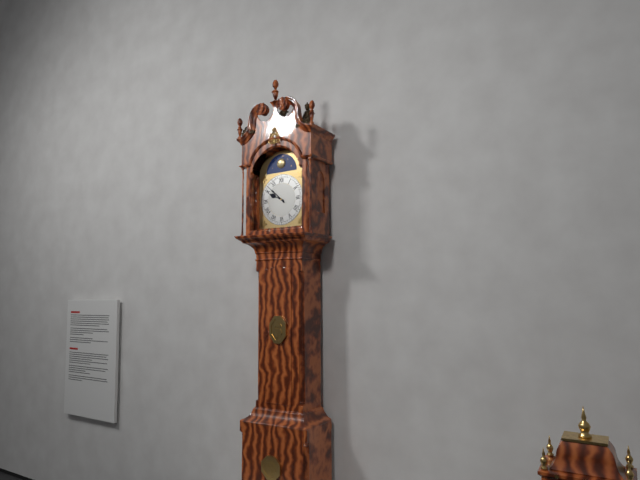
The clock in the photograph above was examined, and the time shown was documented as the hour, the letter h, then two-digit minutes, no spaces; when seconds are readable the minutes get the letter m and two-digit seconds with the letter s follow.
9h52
